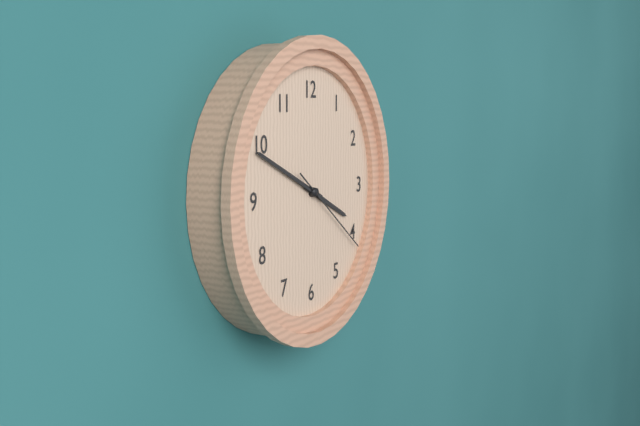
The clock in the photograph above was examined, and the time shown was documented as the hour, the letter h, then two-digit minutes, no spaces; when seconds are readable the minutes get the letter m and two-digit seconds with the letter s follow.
3h49m21s
